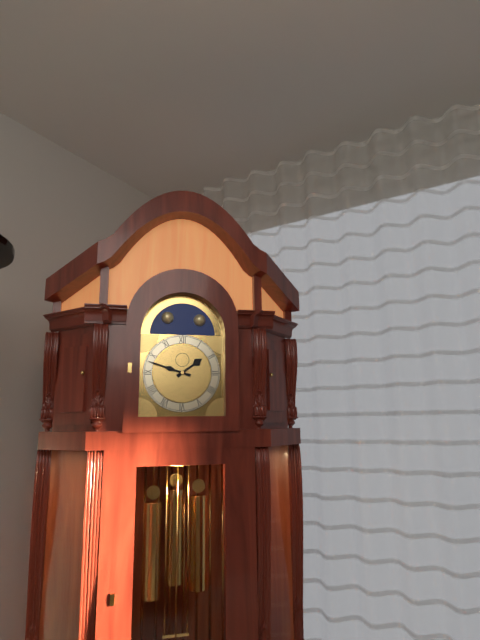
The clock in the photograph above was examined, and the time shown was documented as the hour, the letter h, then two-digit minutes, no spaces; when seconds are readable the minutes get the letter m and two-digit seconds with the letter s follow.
1h48
